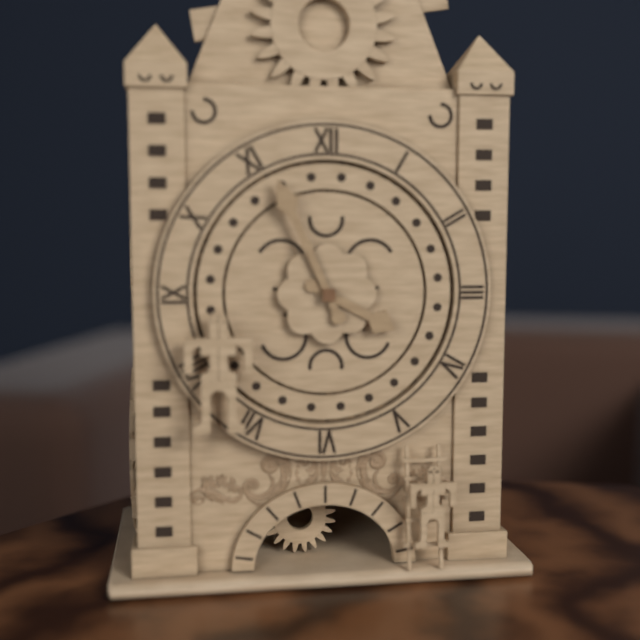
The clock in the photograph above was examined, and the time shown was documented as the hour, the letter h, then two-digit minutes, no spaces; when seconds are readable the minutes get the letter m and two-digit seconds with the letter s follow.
3h56
